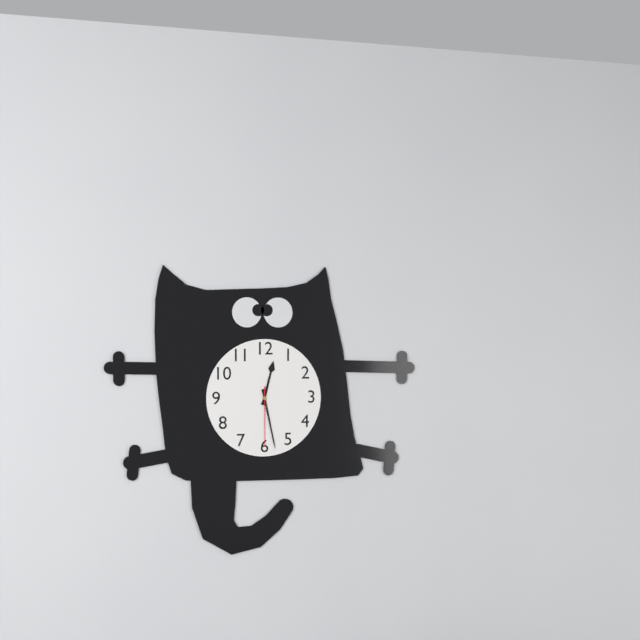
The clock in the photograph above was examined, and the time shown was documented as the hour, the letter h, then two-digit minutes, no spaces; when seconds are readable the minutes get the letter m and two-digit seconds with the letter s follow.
12h28m30s
